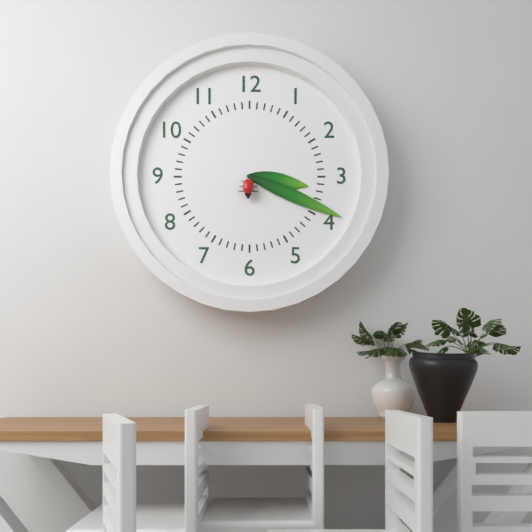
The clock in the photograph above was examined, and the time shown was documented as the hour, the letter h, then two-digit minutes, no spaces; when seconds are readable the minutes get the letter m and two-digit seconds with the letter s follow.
3h19
